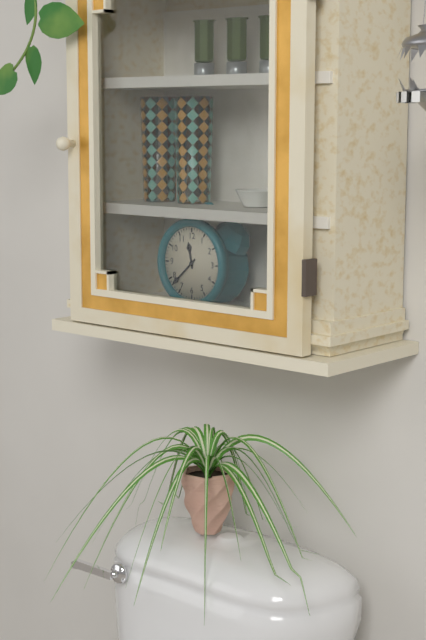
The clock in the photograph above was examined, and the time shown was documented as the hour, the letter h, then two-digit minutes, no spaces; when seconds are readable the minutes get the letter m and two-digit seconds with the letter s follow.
11h38
